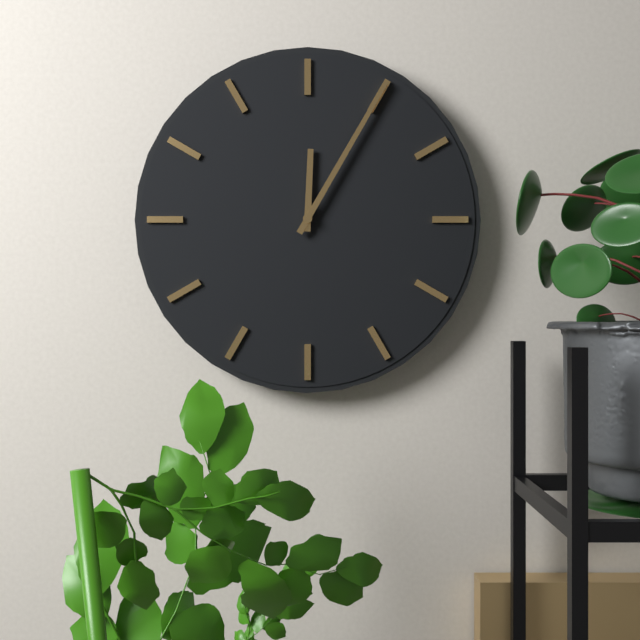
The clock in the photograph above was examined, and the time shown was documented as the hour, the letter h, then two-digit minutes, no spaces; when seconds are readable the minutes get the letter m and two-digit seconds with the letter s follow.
12h05
